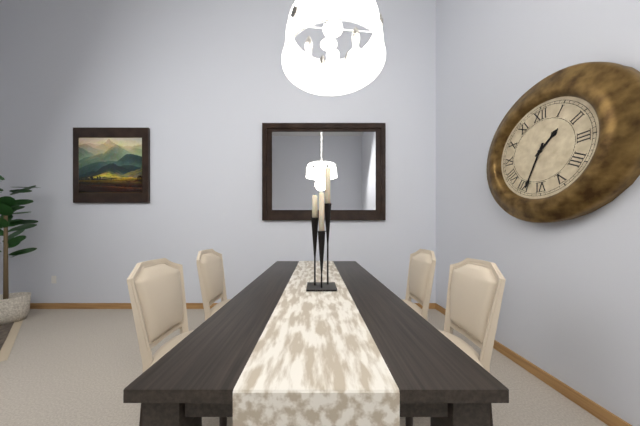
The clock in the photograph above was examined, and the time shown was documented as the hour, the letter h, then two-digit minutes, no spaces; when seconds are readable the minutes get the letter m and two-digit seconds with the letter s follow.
1h34
